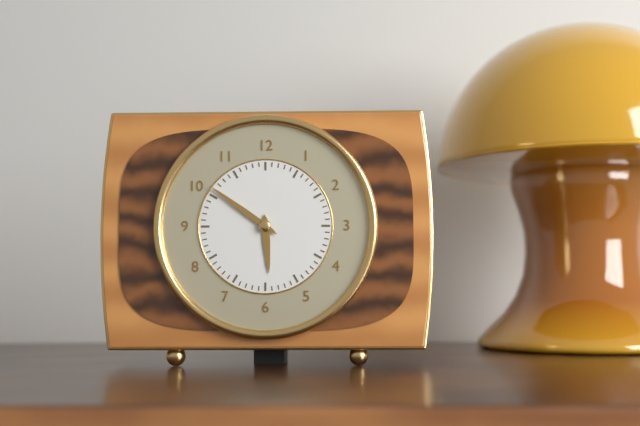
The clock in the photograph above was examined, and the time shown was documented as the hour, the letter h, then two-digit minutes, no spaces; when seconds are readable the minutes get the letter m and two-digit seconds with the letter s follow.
5h51
